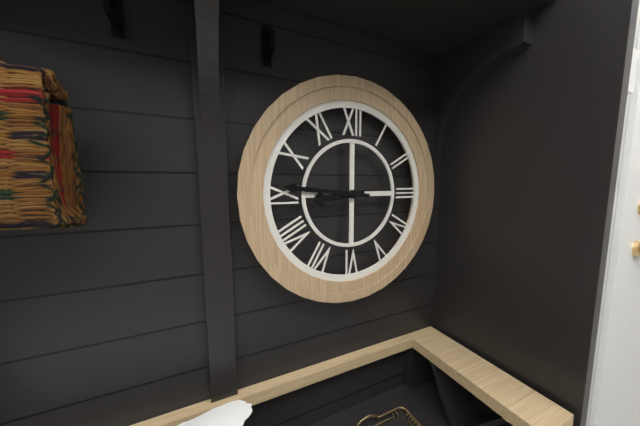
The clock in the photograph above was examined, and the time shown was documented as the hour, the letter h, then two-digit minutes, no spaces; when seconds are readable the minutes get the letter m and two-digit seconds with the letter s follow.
8h46
